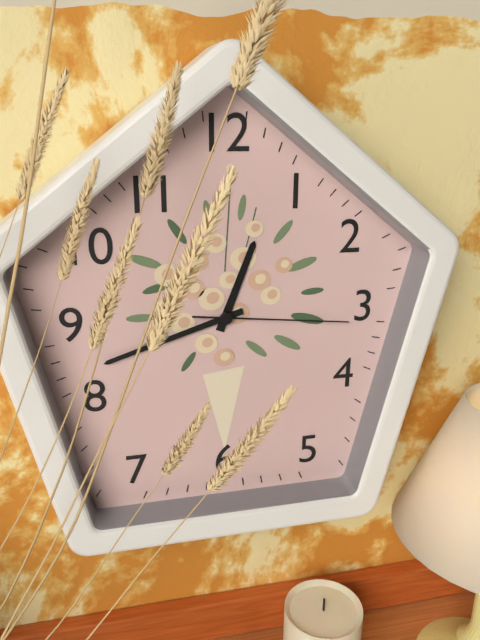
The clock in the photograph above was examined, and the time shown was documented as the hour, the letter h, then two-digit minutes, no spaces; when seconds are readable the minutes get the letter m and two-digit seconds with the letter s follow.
12h42m16s
